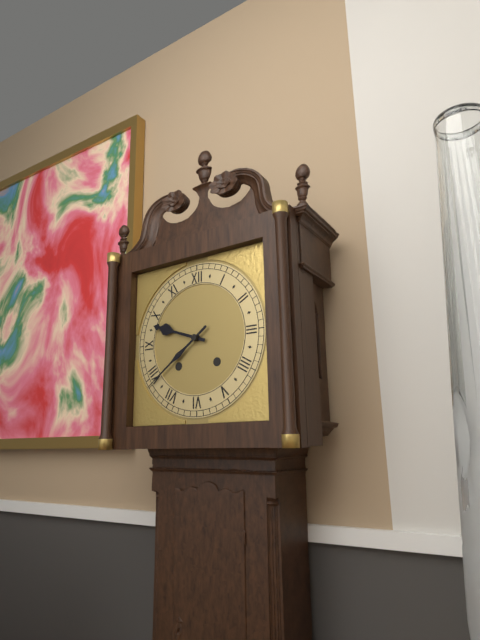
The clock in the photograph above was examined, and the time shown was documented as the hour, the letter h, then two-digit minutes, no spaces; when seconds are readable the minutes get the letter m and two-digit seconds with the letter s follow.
9h39
